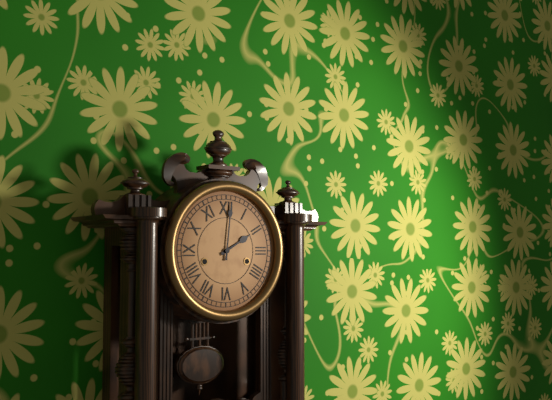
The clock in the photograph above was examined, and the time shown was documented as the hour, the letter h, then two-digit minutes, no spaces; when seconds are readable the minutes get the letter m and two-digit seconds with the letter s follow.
2h01
